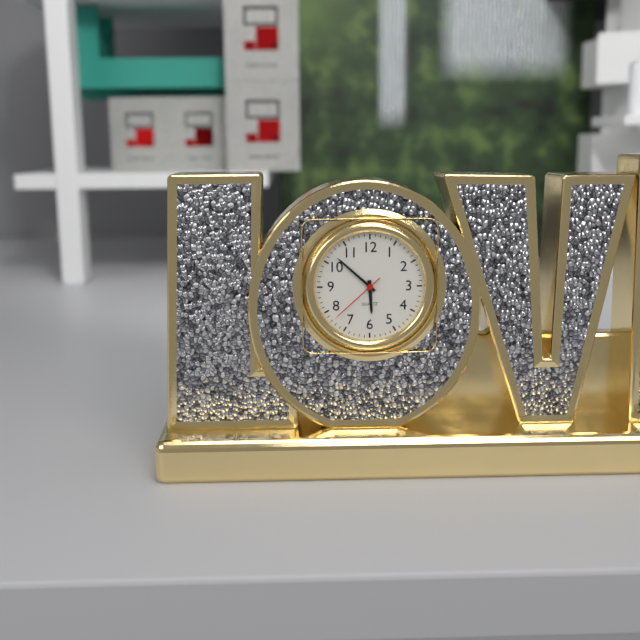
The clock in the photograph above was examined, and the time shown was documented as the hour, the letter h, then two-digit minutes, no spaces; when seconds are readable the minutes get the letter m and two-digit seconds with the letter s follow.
5h52m38s
